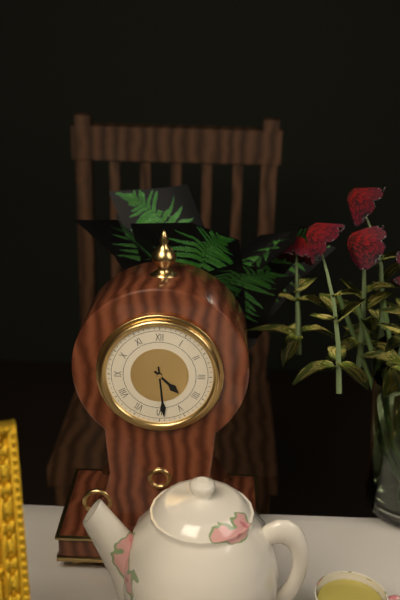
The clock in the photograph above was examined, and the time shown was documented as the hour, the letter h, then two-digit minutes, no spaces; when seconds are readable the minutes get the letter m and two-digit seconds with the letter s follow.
4h29
